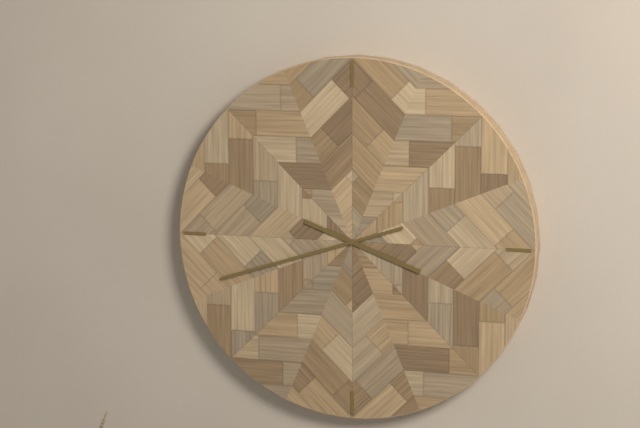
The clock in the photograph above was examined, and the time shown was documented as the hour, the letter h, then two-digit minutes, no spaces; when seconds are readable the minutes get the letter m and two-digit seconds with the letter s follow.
3h42
